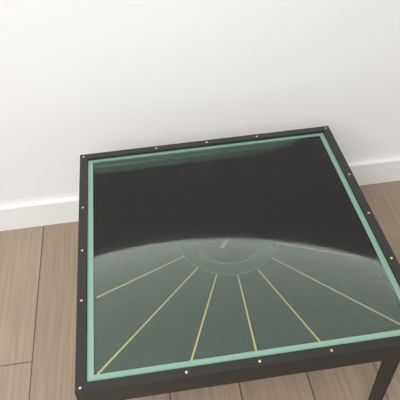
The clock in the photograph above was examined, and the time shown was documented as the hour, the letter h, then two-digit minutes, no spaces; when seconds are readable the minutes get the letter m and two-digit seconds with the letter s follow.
7h17
